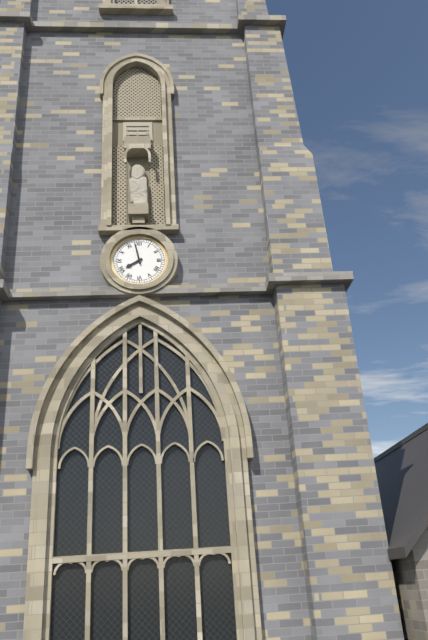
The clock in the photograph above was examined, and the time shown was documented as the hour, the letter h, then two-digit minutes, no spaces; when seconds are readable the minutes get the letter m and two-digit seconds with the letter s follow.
7h58
